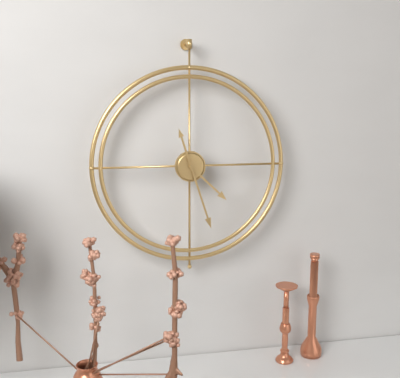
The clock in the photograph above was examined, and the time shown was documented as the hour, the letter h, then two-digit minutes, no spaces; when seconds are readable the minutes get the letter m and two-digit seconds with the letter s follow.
4h27
